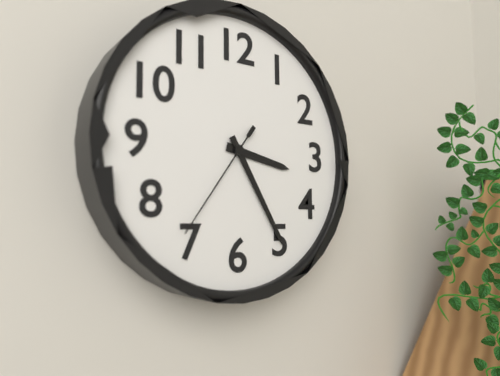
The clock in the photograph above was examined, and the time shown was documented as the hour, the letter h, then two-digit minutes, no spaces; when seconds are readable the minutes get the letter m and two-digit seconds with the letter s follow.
3h25m36s
